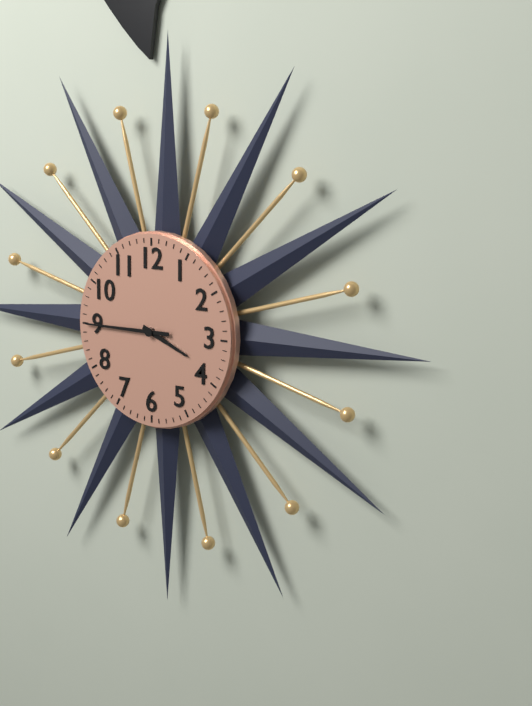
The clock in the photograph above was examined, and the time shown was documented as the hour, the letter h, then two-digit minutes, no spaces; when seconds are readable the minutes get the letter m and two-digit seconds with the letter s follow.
3h45
